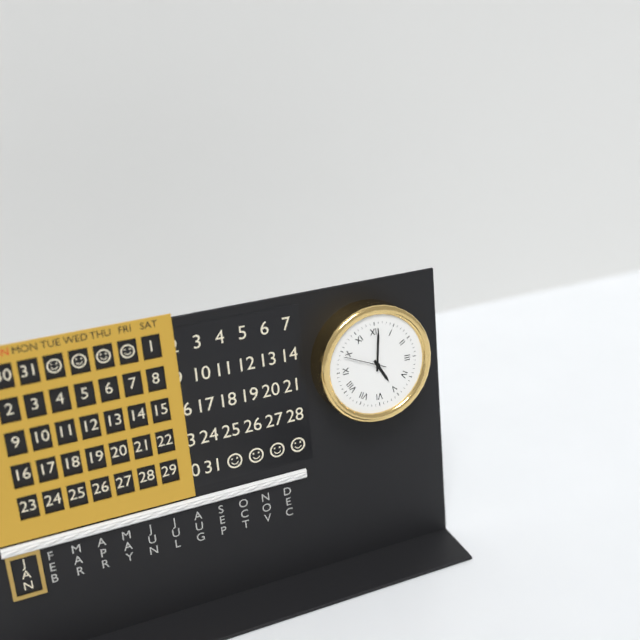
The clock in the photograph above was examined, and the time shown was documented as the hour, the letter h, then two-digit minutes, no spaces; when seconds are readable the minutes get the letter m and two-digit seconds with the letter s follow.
5h01
